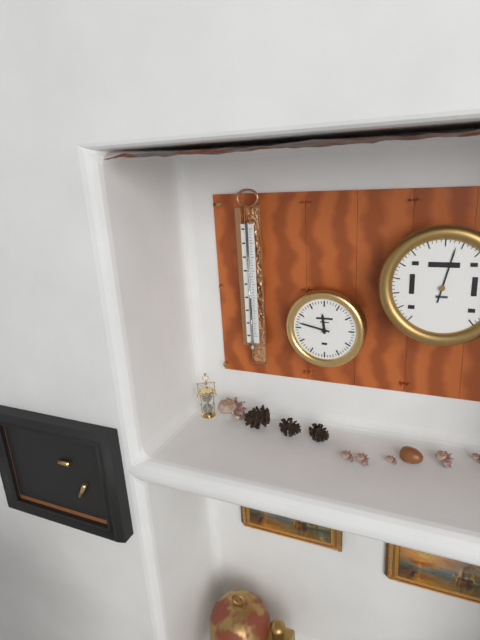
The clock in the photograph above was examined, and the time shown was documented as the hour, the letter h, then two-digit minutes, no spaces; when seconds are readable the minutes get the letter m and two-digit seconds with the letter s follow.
11h47
